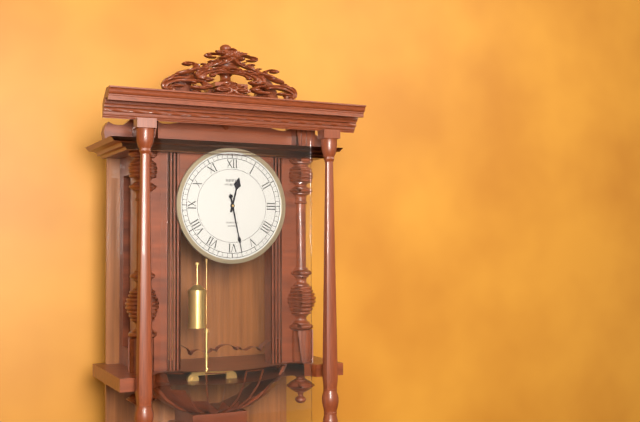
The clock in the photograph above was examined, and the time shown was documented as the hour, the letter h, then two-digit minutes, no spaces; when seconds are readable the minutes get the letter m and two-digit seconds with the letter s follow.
12h28
